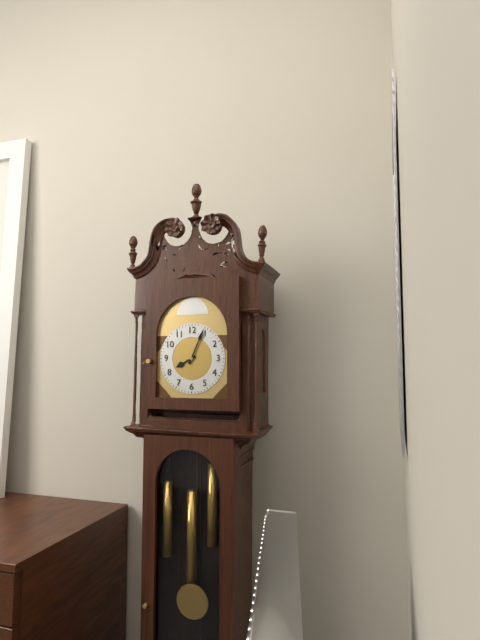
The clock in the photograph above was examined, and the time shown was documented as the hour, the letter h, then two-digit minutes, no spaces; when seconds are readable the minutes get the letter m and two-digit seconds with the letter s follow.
8h04
